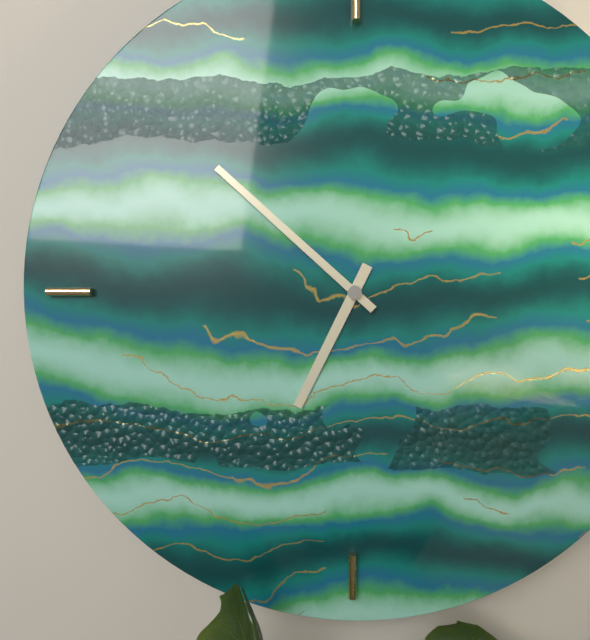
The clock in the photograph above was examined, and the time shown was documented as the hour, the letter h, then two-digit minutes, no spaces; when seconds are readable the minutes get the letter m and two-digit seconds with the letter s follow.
6h52
